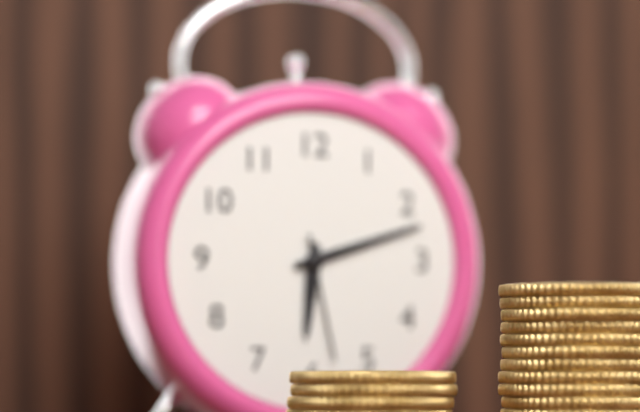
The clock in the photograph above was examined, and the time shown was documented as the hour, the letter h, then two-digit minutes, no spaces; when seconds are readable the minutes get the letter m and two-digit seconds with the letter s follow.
6h12m28s
